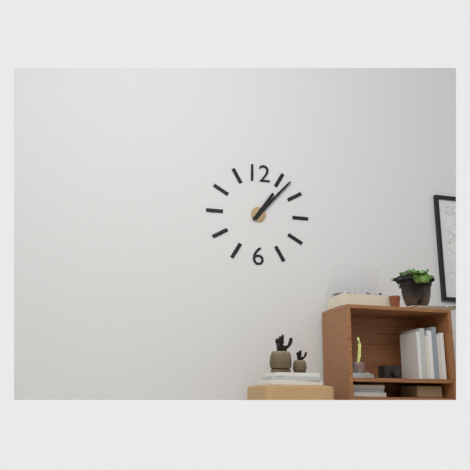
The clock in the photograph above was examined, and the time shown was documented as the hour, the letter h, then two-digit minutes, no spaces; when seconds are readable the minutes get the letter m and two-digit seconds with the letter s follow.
1h07
